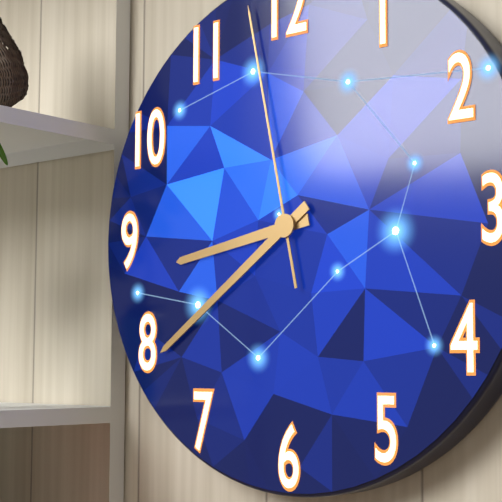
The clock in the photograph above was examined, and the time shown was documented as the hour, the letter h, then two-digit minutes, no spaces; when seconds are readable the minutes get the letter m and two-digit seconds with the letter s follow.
8h39m58s
